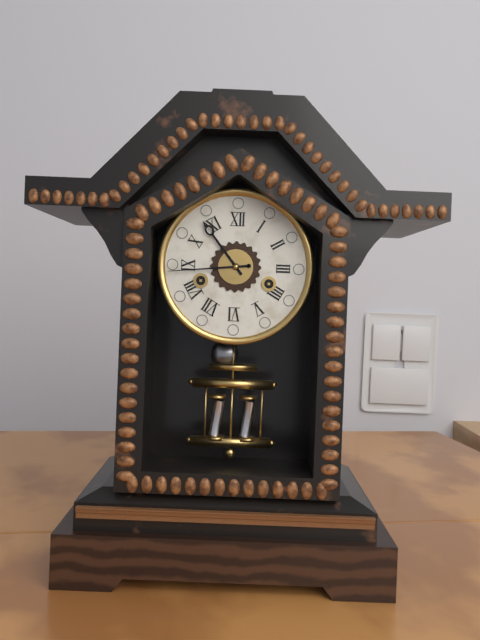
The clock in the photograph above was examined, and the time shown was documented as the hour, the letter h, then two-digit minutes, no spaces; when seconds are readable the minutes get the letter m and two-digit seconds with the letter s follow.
10h44
